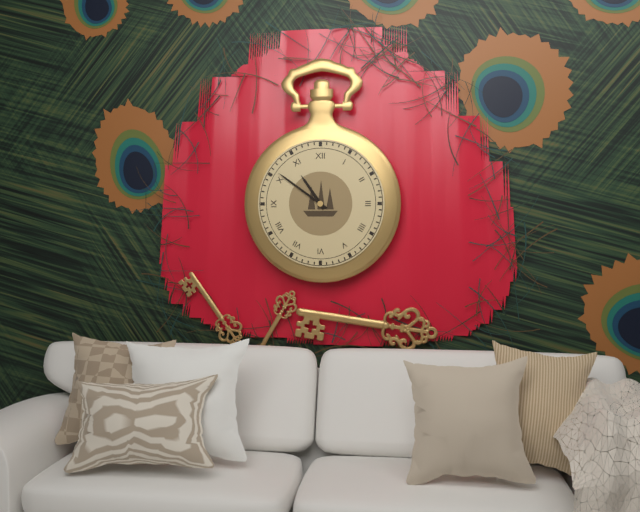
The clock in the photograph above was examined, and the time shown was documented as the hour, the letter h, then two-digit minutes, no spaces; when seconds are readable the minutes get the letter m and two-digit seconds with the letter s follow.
10h51
